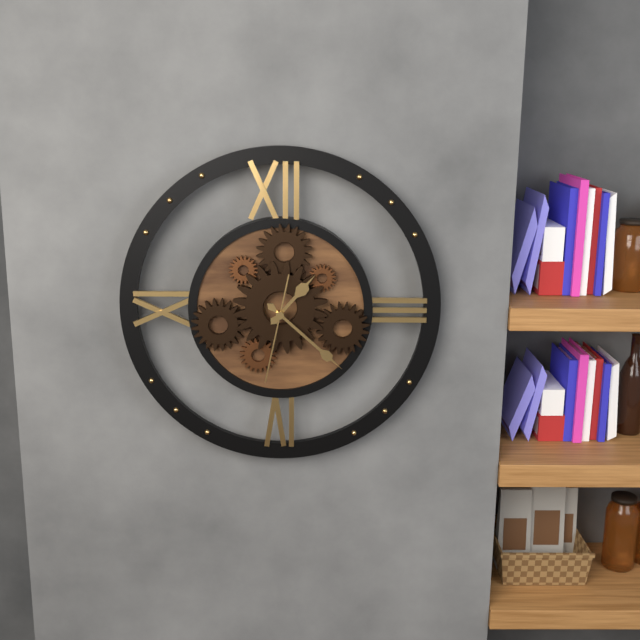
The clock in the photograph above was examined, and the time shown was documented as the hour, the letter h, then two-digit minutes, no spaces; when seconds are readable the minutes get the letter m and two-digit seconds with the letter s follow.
1h22m32s
